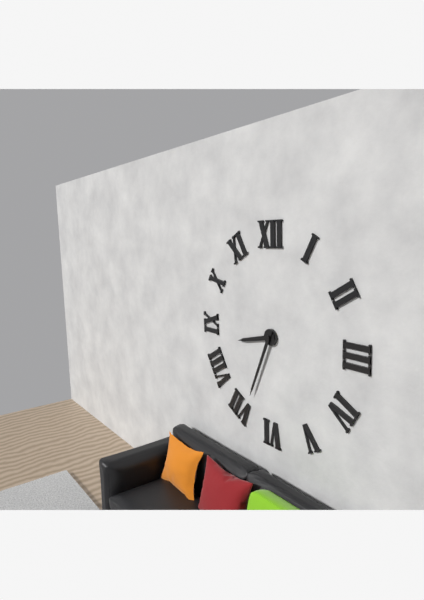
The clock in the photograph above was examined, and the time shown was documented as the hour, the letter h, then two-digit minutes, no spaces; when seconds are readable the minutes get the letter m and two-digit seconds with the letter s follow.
8h34
